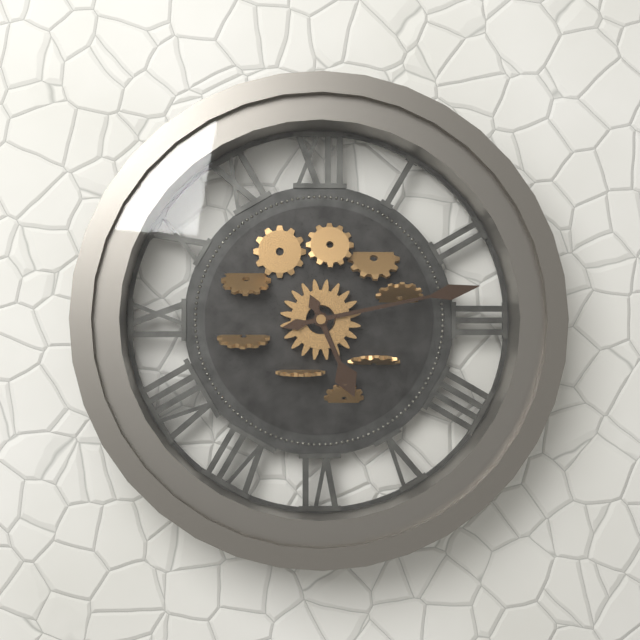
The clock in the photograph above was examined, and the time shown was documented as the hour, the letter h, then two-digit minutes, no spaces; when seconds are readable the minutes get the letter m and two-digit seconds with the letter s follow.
5h13
